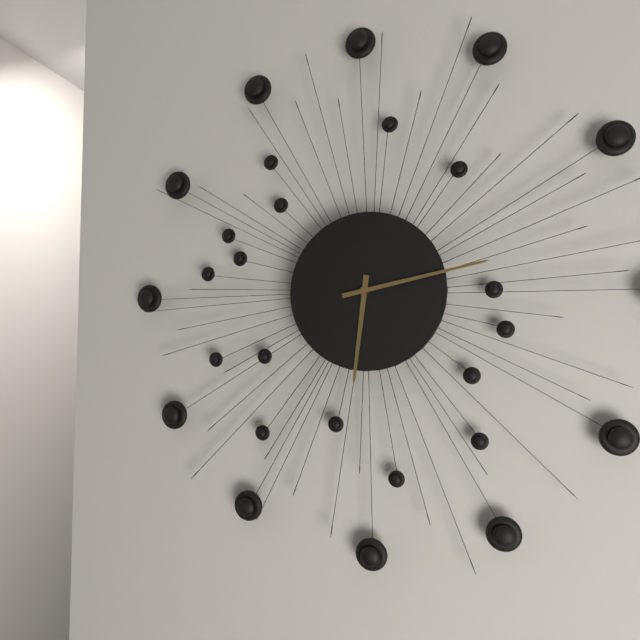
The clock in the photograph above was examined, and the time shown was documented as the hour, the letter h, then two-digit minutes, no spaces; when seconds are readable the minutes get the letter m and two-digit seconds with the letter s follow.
6h13
